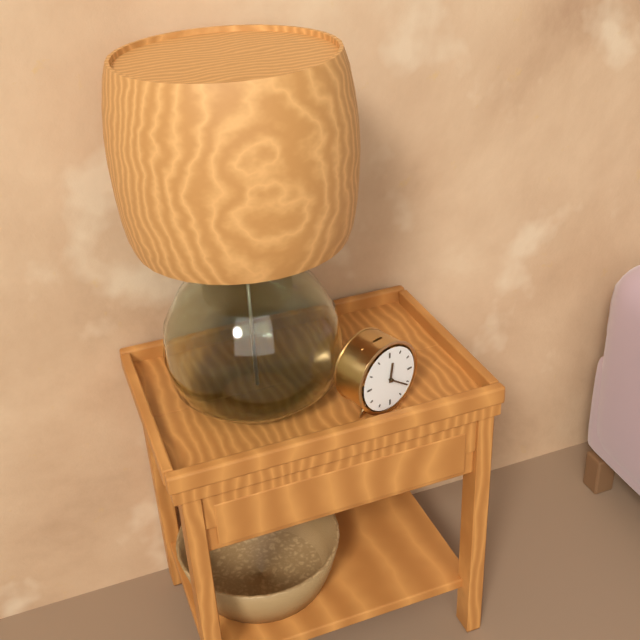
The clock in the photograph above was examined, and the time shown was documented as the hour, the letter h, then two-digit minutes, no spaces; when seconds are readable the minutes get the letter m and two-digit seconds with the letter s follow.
12h21
